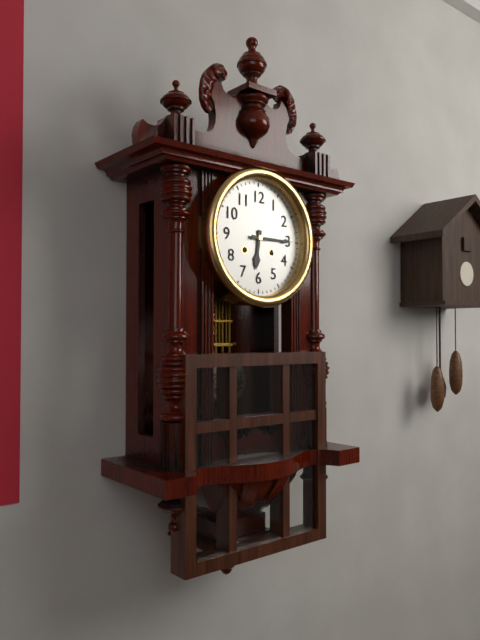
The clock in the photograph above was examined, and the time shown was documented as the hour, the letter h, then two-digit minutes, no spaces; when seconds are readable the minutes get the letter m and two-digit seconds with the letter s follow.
6h15
